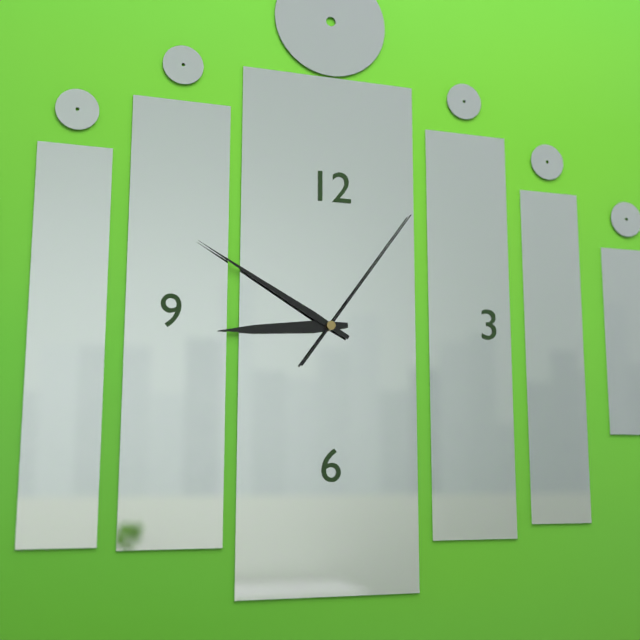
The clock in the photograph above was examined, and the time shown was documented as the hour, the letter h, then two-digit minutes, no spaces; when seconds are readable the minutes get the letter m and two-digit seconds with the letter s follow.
8h50m06s
